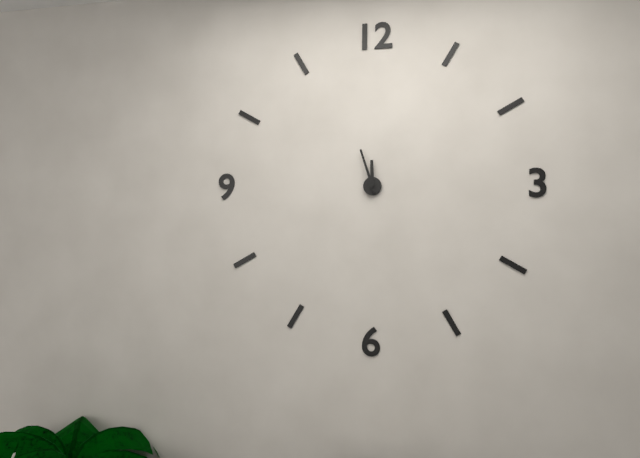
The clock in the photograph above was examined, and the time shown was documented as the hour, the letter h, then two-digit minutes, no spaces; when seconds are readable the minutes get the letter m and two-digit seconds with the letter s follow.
11h57
